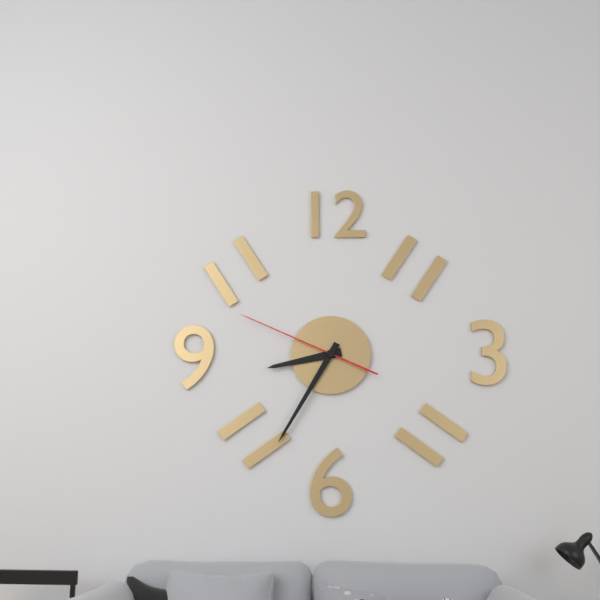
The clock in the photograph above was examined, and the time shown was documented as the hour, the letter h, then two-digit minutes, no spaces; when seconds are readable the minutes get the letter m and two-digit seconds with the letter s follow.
8h35m49s
